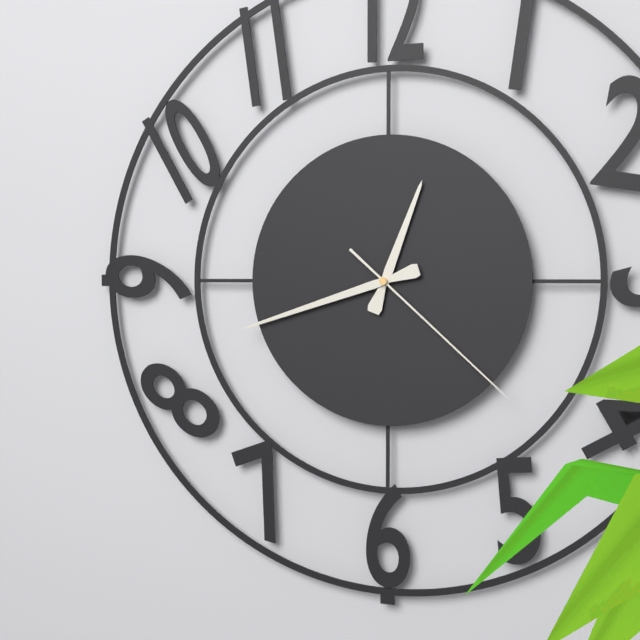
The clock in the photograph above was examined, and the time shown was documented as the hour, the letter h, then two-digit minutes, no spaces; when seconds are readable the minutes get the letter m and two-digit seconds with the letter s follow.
12h42m22s
